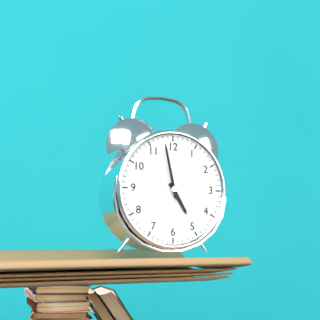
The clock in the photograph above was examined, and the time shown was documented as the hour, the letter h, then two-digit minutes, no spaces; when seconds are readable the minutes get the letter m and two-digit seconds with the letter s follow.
4h58
